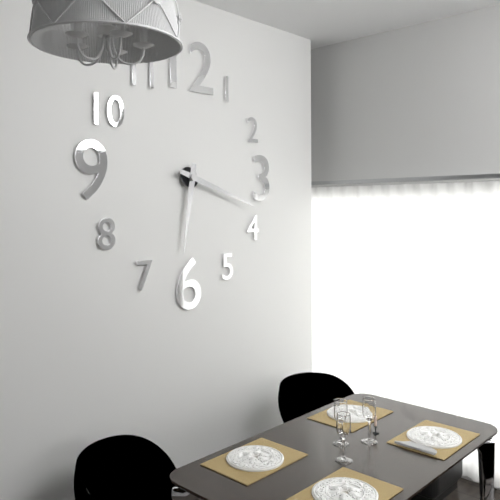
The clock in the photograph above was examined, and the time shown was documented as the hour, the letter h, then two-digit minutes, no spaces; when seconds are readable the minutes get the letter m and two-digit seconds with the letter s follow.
6h18
